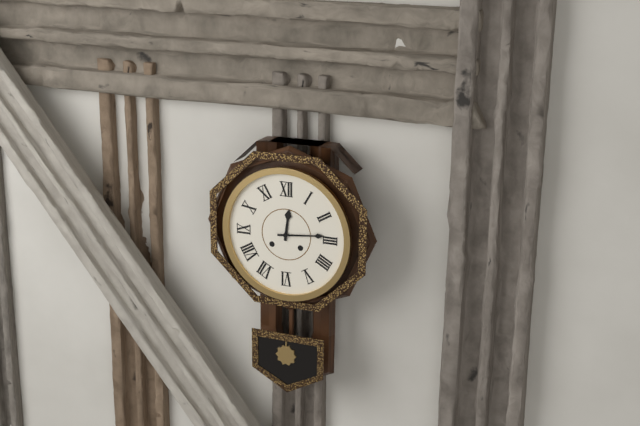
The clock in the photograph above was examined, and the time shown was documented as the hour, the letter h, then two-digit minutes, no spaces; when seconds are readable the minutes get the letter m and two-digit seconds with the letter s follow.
12h14
